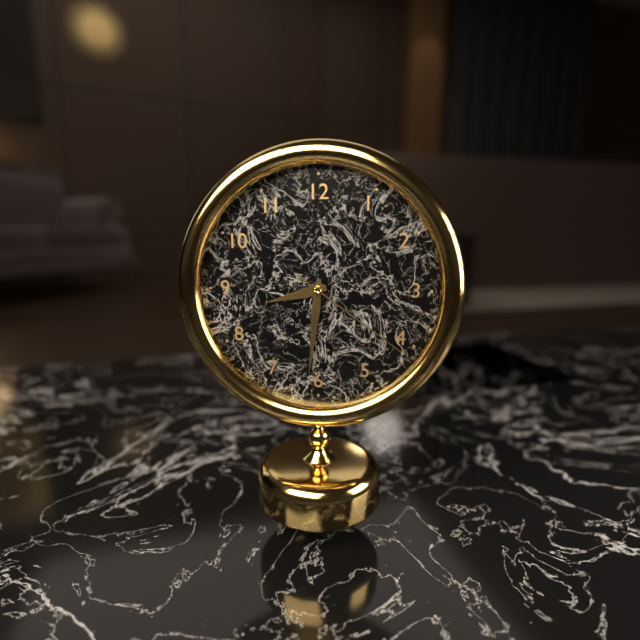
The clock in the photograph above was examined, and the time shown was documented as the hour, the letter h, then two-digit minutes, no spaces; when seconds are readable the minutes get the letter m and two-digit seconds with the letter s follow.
8h31m21s
